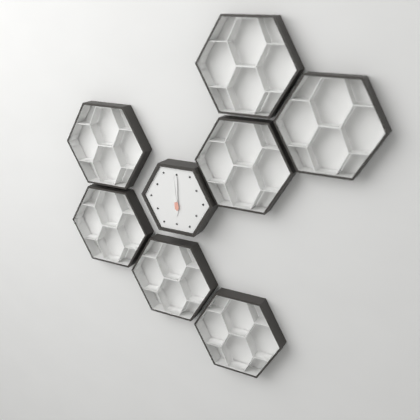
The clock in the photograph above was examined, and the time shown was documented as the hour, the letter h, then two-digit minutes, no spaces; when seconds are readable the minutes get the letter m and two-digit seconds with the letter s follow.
6h00
